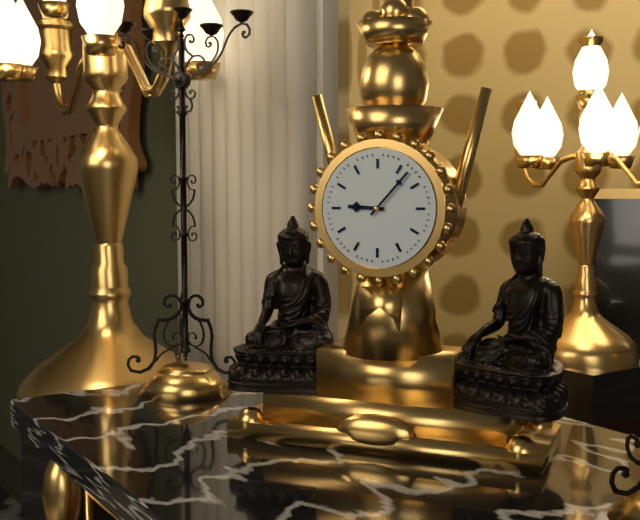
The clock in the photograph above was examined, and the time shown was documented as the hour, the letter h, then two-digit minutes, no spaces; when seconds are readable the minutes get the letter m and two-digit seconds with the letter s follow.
9h07
